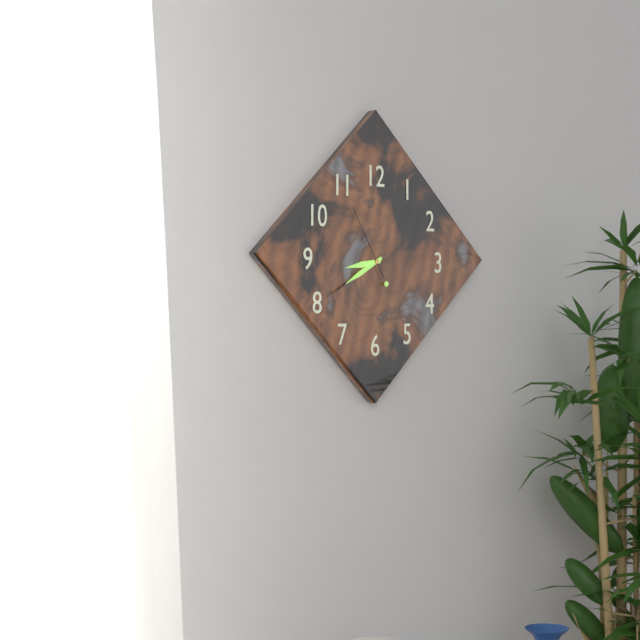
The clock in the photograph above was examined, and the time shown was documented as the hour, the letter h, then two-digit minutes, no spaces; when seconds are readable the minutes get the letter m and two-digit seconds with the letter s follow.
8h40m55s
